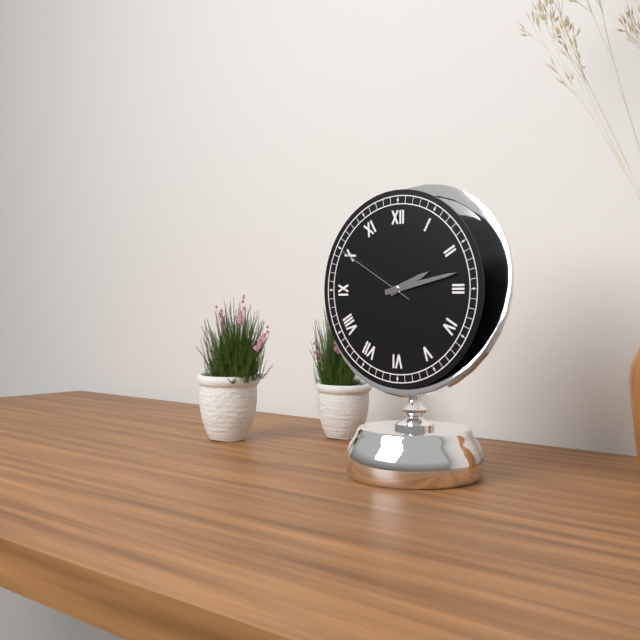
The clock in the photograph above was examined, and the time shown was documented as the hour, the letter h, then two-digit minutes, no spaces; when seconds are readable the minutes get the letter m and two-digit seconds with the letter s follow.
2h13m50s
